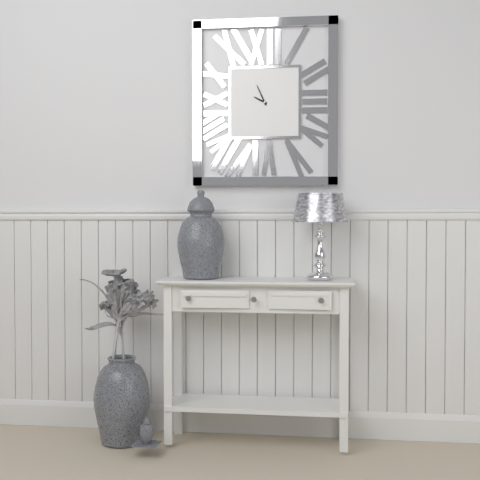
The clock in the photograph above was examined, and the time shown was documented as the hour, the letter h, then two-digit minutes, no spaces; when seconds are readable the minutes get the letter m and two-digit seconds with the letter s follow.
9h56
